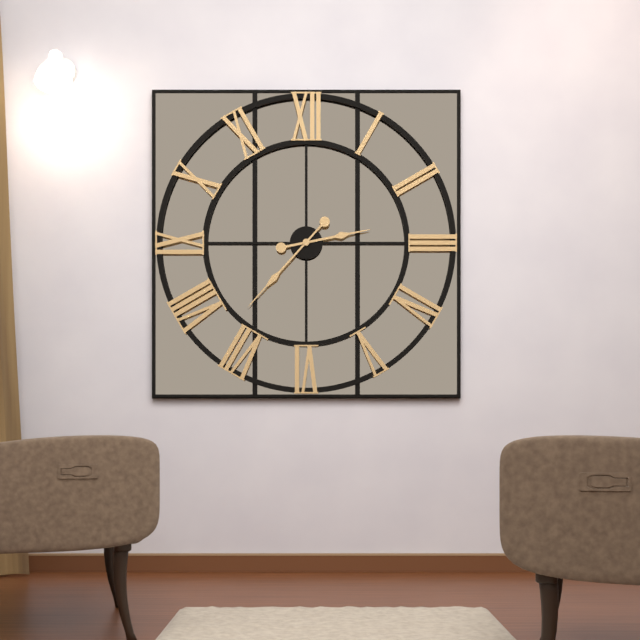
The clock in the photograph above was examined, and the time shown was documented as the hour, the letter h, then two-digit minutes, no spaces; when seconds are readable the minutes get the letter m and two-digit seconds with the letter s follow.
2h37
